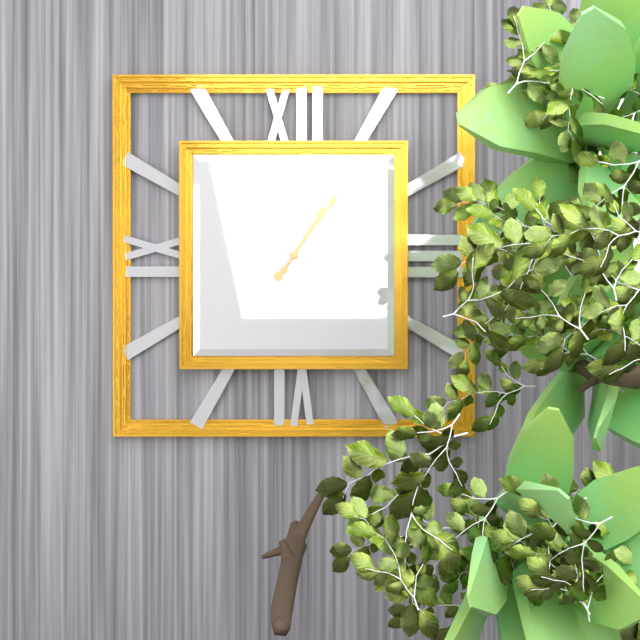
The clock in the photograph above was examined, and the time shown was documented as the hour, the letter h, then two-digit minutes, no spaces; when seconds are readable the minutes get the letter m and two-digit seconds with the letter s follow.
1h06m49s
